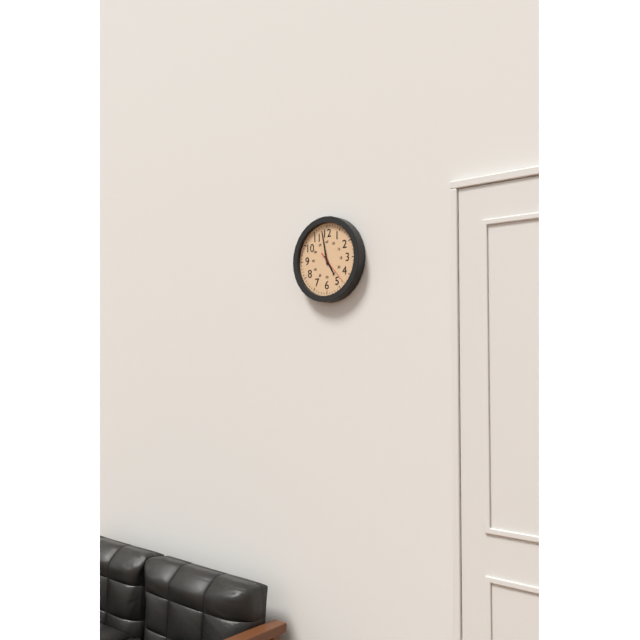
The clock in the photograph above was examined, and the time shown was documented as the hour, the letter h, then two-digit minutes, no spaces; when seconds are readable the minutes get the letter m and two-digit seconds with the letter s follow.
4h58
